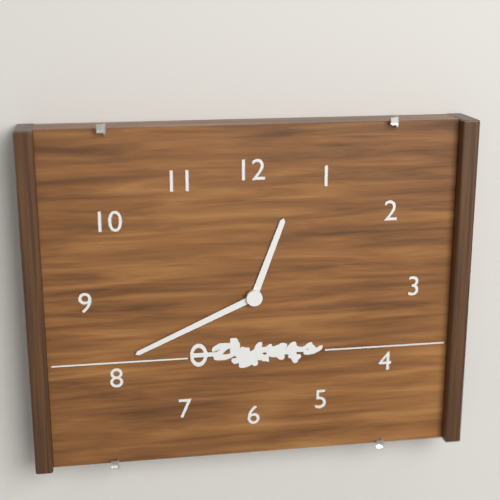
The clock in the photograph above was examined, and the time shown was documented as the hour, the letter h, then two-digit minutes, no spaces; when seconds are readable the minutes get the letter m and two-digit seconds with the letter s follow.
12h41
